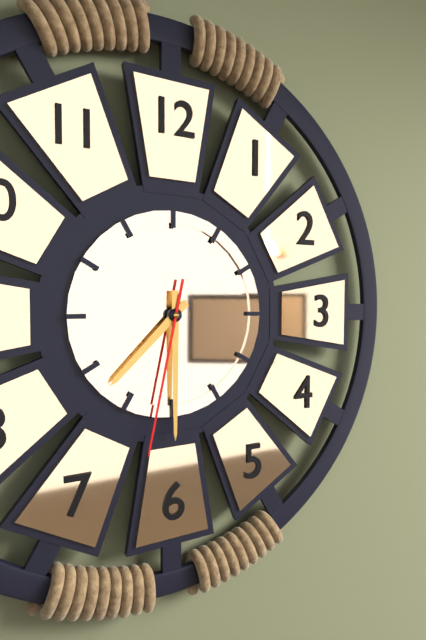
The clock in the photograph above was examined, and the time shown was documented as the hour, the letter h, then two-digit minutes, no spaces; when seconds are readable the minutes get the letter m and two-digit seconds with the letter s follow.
7h30m32s
